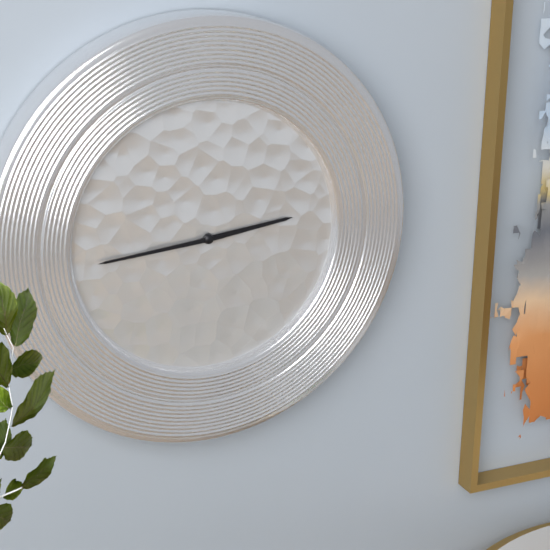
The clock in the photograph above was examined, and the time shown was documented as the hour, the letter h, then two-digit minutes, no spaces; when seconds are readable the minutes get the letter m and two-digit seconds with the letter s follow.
2h44
